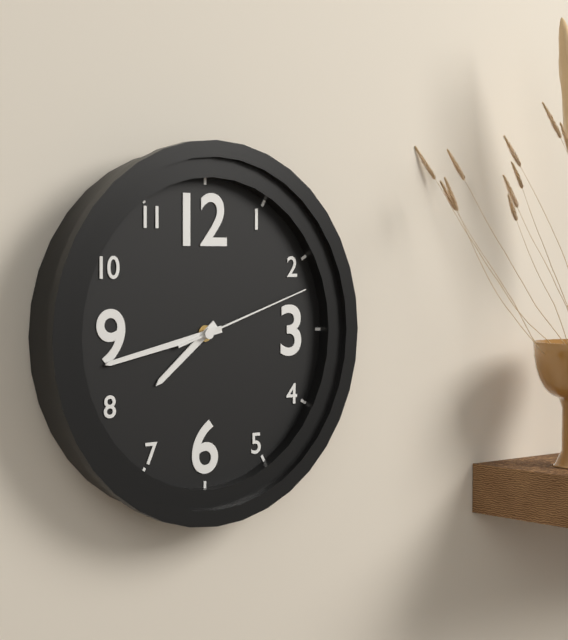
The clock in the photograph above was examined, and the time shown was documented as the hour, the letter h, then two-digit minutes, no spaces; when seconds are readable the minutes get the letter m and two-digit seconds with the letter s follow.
7h43m12s
